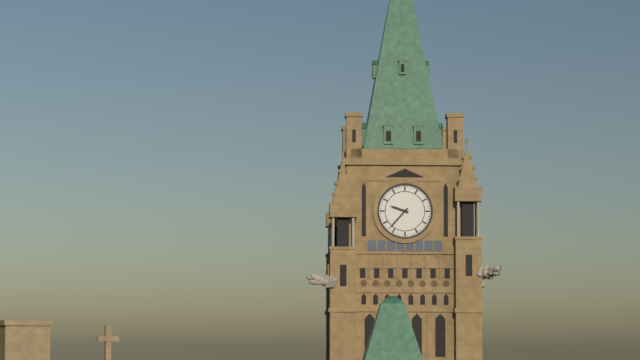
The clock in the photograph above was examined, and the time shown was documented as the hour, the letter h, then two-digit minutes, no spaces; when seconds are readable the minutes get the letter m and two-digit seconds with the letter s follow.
9h37
